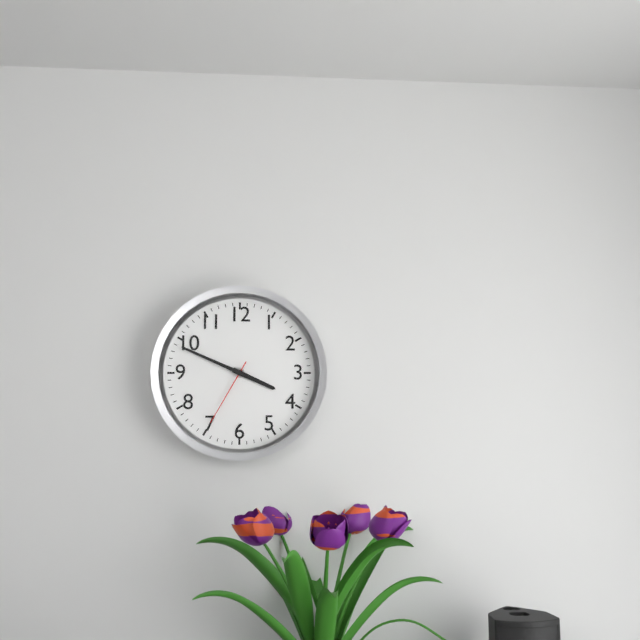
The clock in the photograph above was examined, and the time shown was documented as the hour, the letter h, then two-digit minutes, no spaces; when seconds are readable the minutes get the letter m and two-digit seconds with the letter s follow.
3h49m35s
